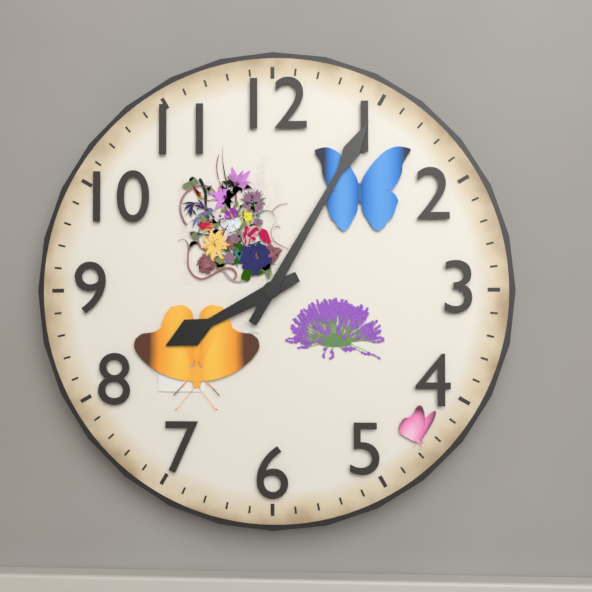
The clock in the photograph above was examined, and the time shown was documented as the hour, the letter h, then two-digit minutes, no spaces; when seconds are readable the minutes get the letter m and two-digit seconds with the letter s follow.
8h05
